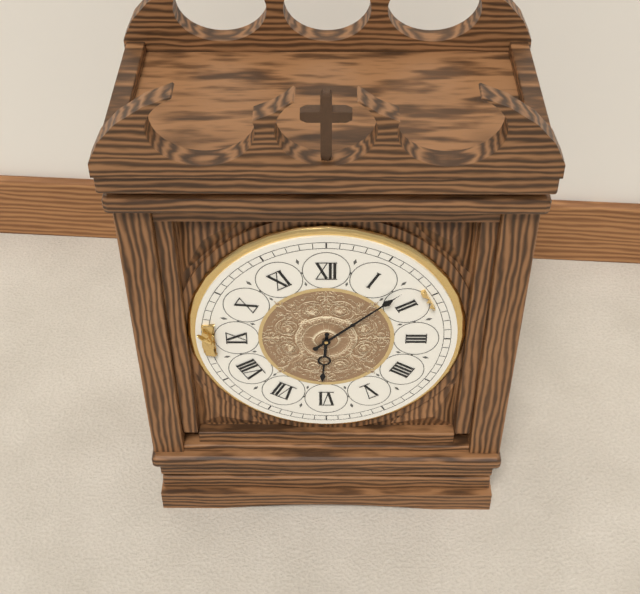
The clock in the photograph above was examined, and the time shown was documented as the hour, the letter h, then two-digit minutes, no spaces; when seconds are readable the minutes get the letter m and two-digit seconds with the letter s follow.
6h08
